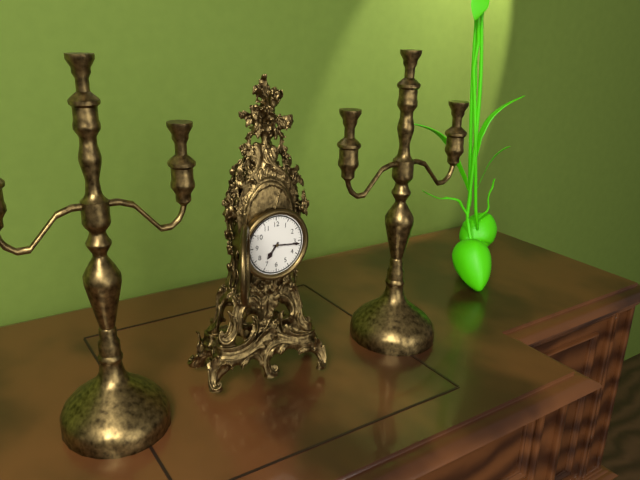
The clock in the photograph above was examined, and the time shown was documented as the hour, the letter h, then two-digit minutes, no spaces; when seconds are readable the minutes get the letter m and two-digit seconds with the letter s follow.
7h16
